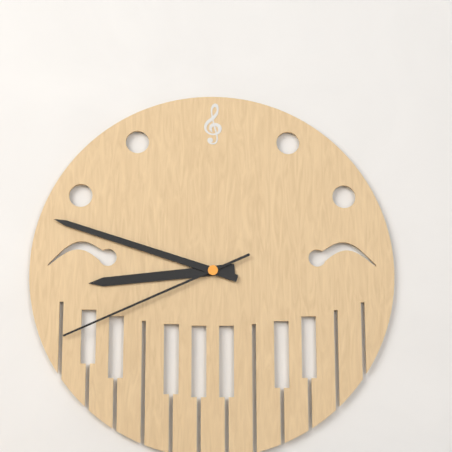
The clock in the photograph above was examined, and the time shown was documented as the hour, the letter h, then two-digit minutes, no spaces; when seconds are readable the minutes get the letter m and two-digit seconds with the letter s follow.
8h48m41s
